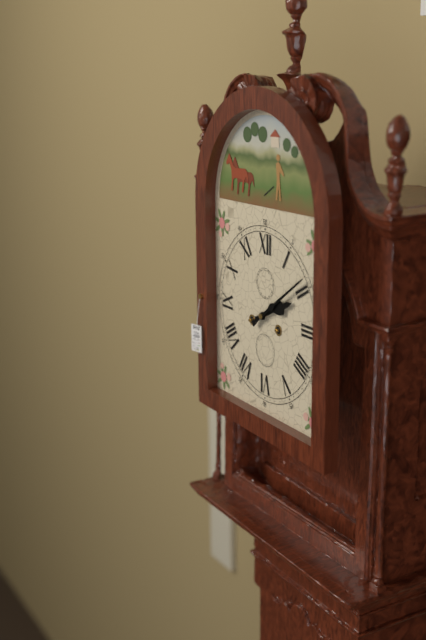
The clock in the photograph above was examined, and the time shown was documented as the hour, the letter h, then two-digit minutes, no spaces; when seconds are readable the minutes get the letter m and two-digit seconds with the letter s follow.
2h09
